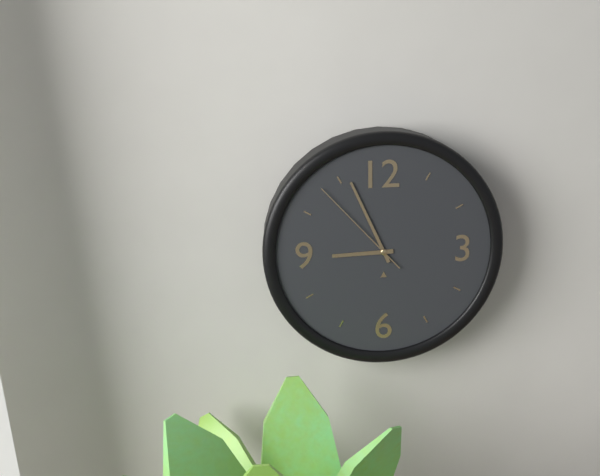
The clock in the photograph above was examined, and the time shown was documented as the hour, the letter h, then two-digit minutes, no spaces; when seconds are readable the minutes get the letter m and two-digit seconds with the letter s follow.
8h56m53s
